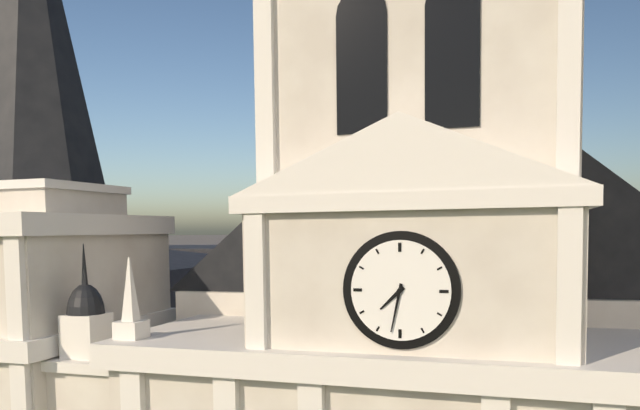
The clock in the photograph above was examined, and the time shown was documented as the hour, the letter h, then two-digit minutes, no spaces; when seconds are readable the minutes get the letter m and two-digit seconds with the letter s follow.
7h32
